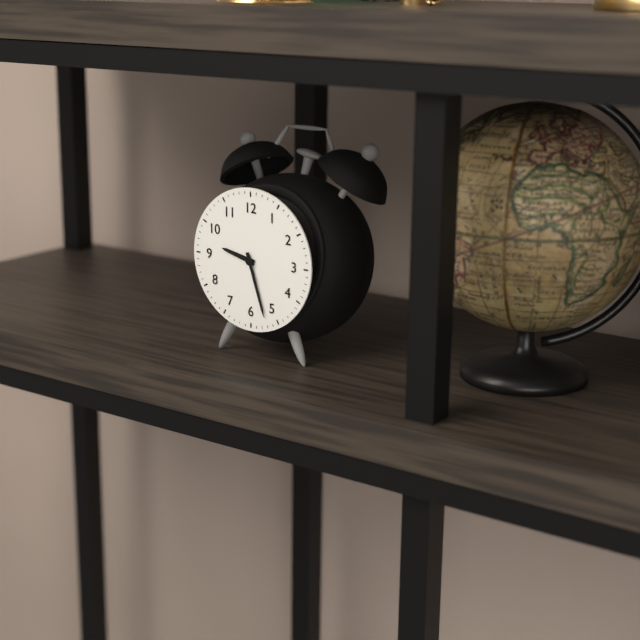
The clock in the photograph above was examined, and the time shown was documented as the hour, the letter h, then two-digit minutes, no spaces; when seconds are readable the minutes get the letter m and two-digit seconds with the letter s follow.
9h27
